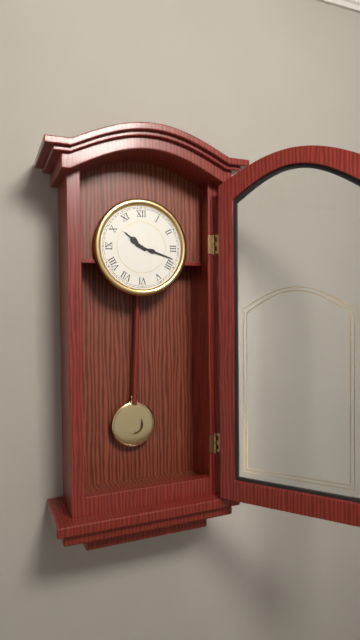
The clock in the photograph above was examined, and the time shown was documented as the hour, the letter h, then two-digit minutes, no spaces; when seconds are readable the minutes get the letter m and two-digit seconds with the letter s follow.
10h18
